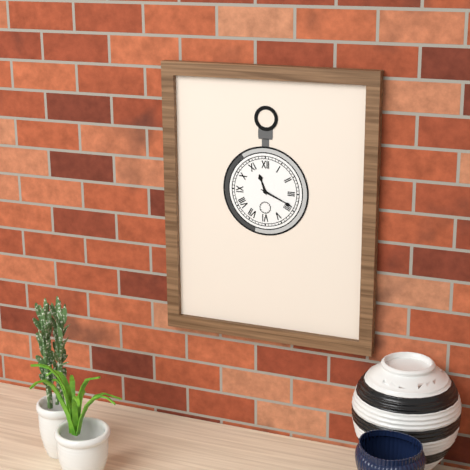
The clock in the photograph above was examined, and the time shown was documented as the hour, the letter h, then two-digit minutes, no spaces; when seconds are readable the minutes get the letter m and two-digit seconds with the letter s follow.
11h19
